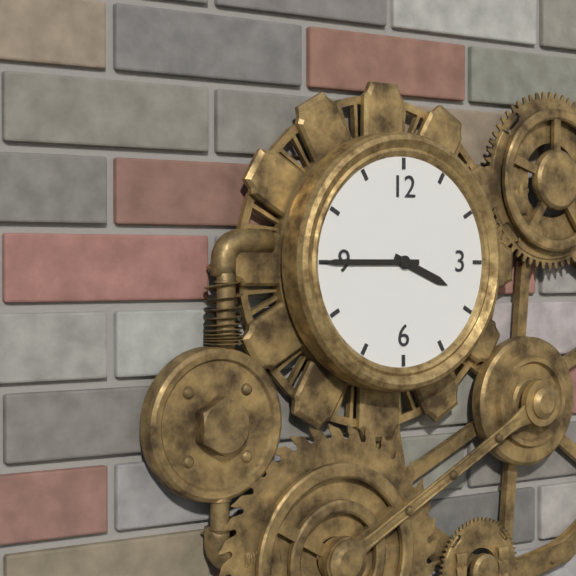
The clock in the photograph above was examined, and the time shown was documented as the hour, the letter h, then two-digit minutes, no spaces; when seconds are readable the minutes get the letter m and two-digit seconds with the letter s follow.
3h45
